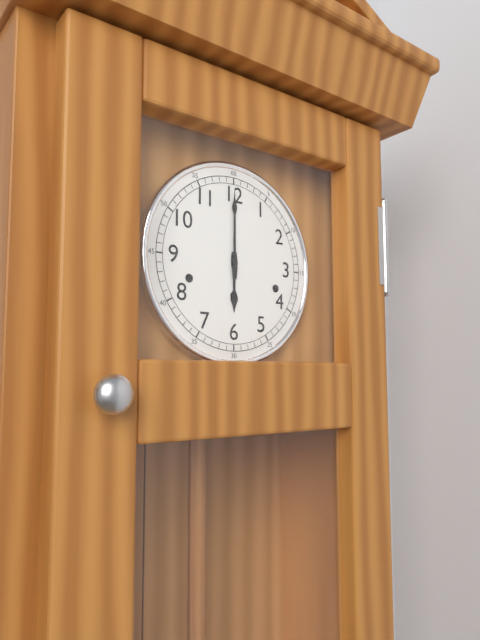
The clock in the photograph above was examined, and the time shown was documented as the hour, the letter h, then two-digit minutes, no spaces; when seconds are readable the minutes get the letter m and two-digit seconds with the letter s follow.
6h00
